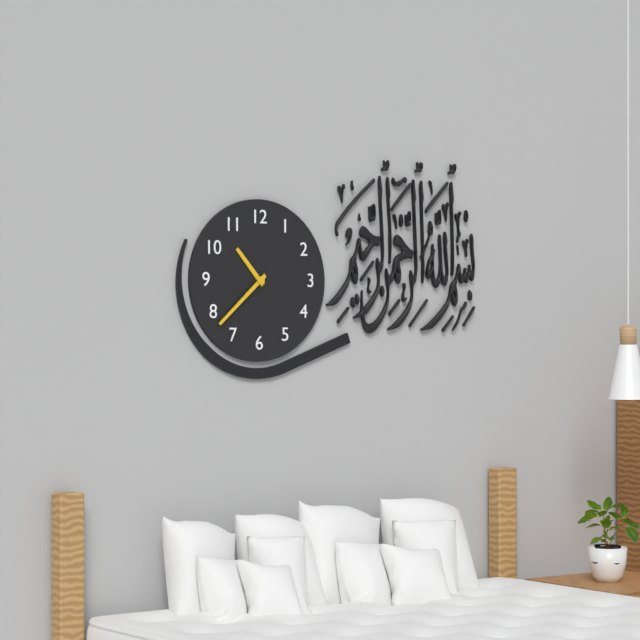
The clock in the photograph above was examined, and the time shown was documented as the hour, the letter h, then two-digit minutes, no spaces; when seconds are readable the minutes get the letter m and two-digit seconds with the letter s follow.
10h38
